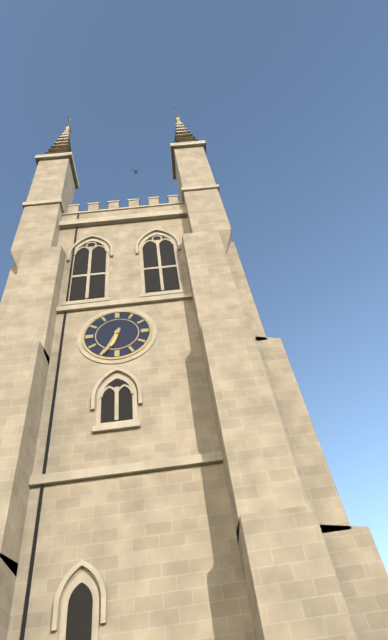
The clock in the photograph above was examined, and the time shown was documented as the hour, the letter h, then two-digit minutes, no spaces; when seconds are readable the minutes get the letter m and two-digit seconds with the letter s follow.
6h34
